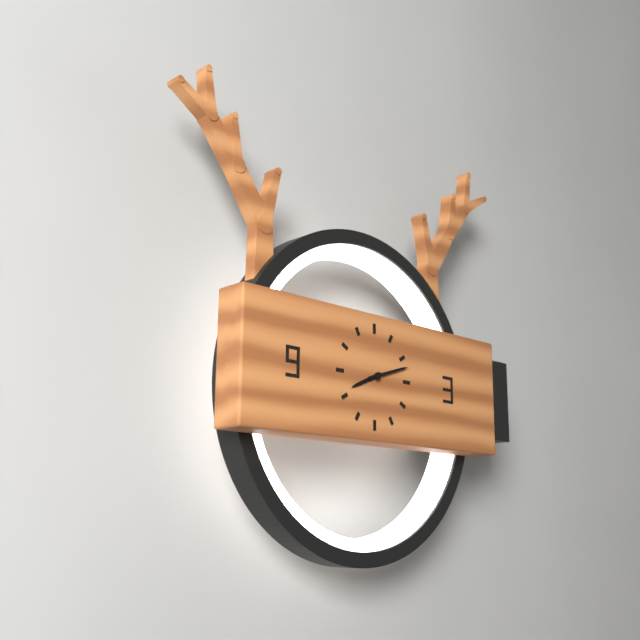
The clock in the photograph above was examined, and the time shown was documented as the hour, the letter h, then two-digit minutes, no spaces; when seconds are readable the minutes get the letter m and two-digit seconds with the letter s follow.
8h12
